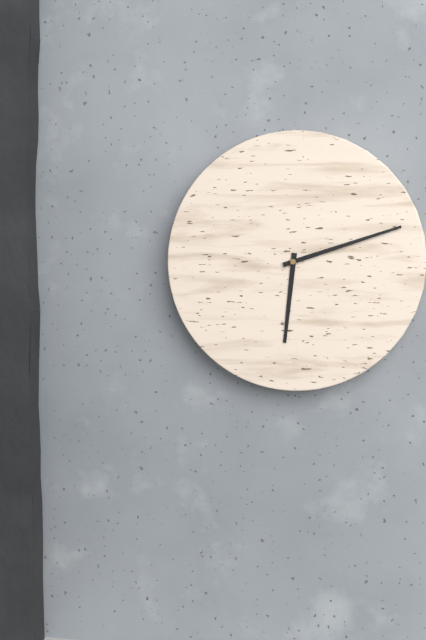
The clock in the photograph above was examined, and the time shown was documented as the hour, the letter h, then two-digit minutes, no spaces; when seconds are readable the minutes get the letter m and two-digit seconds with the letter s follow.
6h12
